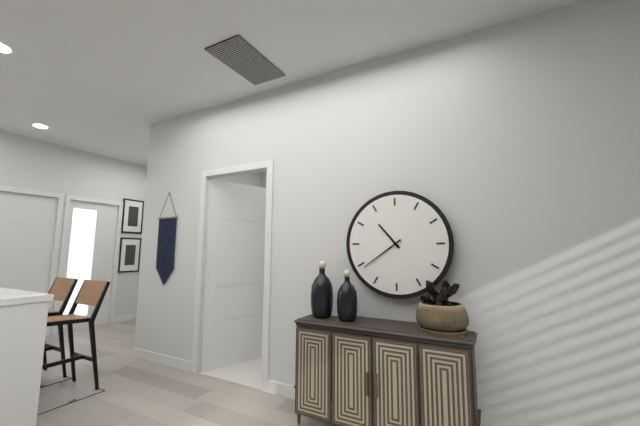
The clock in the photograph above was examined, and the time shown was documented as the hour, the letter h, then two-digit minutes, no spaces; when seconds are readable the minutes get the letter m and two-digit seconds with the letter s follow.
10h39
